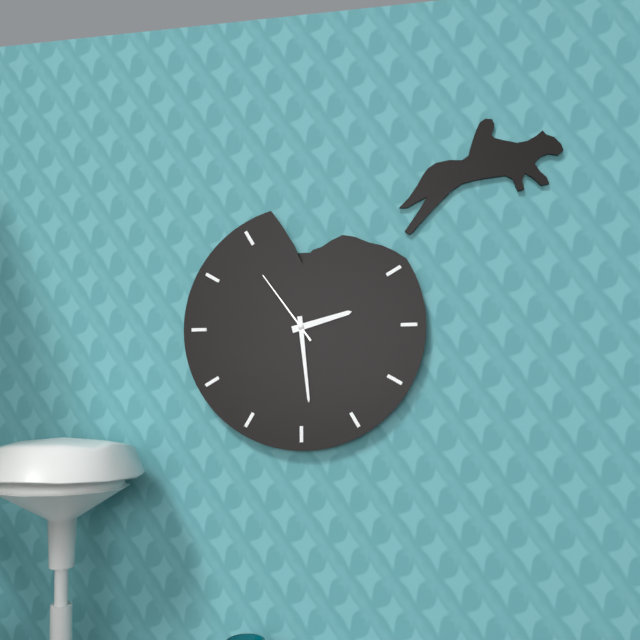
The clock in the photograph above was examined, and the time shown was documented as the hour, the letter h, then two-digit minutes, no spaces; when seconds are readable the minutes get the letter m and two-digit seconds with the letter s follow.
2h29m54s
